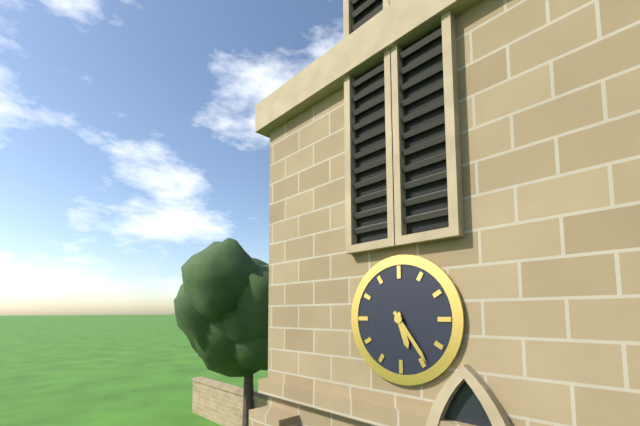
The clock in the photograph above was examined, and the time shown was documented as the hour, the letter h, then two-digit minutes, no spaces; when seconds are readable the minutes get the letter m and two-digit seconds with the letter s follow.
5h24
